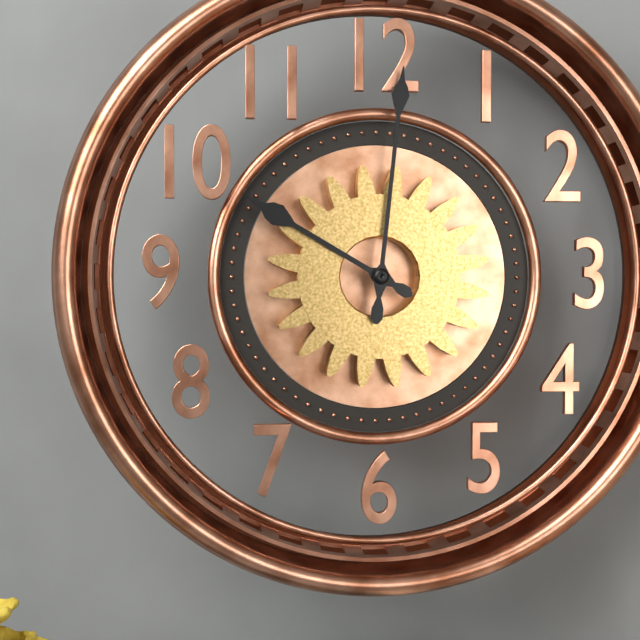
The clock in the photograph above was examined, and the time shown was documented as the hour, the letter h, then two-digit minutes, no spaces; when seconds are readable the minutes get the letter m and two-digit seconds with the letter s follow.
10h01
